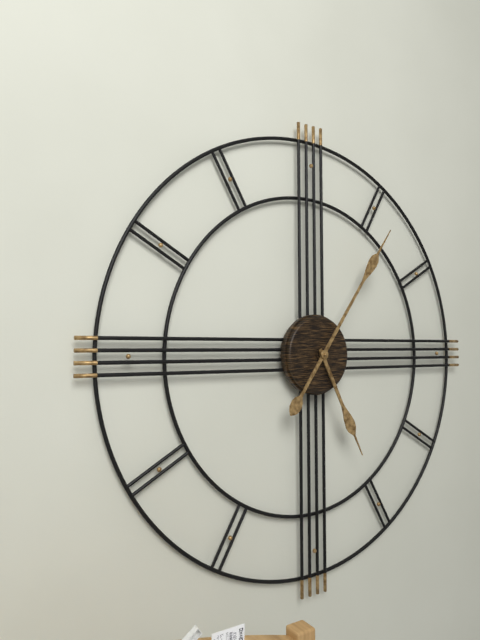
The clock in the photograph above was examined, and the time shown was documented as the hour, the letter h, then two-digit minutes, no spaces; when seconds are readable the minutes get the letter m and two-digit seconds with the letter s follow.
5h06
